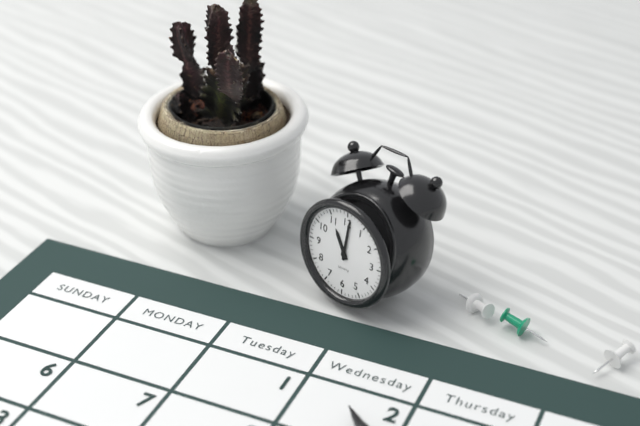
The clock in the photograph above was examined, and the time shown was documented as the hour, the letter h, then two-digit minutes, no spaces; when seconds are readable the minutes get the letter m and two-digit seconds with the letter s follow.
11h01
